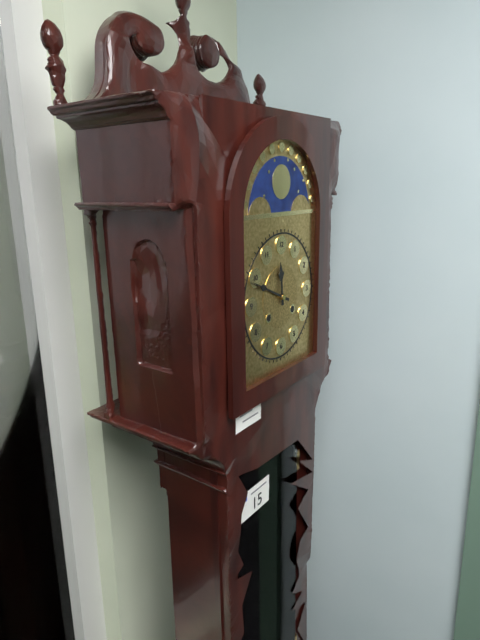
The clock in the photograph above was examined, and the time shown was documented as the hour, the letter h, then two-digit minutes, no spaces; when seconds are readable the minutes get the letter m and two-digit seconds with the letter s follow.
11h49
